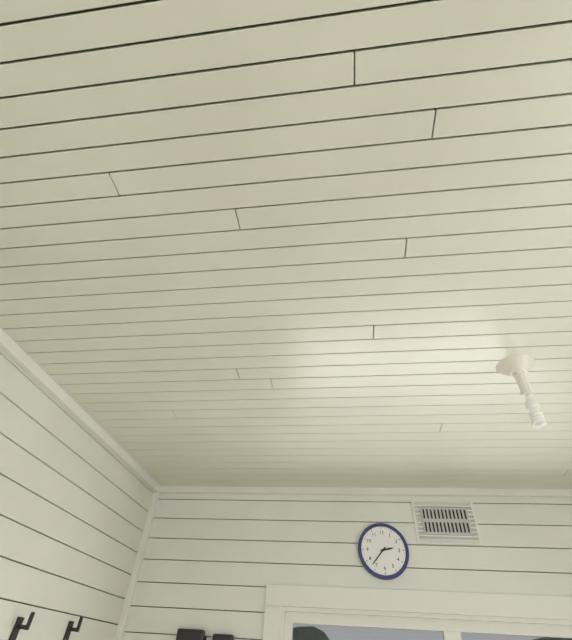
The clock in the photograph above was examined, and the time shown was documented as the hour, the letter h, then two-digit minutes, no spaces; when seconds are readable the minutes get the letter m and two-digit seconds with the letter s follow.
2h37
